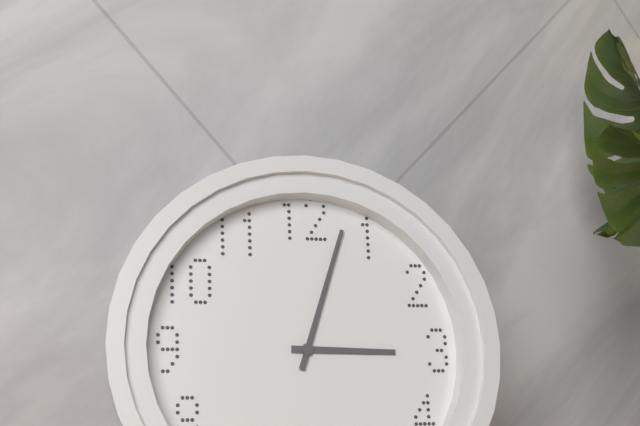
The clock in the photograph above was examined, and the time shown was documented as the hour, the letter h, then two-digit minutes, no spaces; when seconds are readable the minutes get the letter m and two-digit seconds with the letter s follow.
3h03
